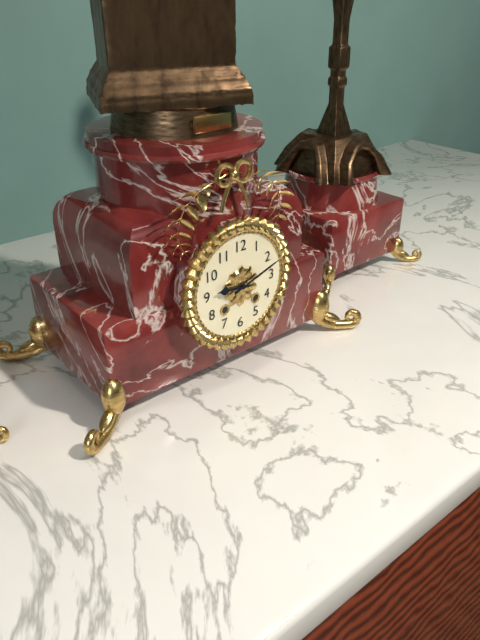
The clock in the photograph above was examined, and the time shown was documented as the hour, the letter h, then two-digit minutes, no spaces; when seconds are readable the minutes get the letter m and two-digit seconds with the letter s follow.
9h12
